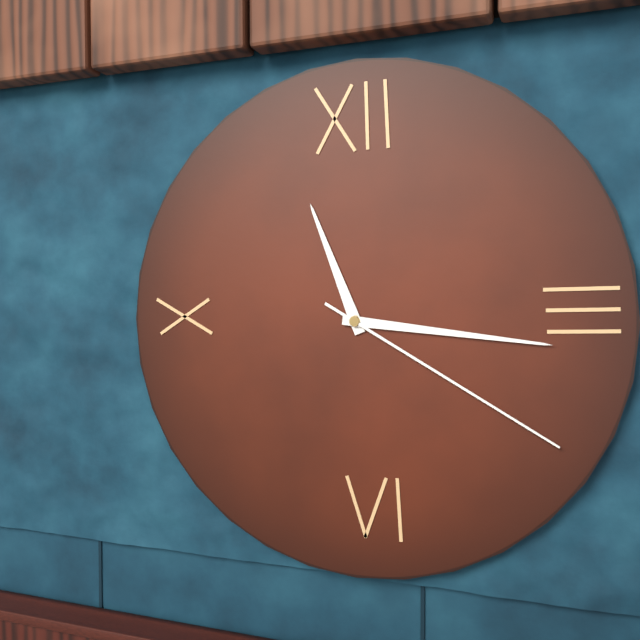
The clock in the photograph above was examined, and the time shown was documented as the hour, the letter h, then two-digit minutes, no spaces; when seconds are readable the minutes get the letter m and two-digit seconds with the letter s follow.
11h16m20s
